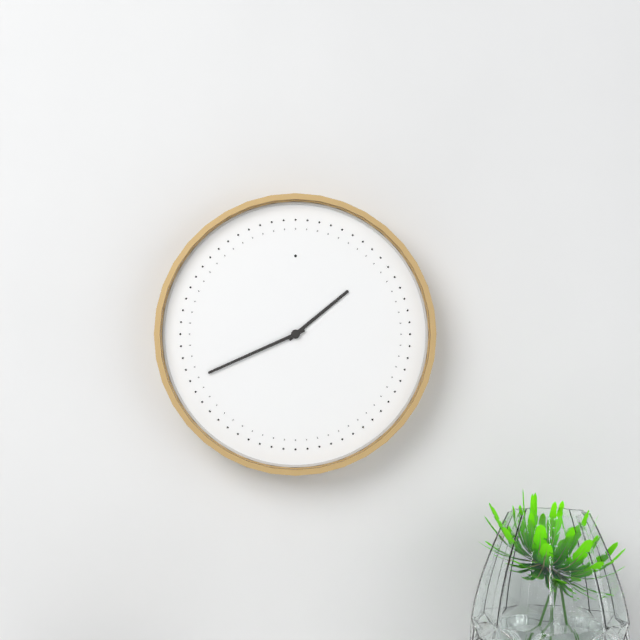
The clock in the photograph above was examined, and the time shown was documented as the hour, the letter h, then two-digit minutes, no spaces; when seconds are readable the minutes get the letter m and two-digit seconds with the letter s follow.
1h41
